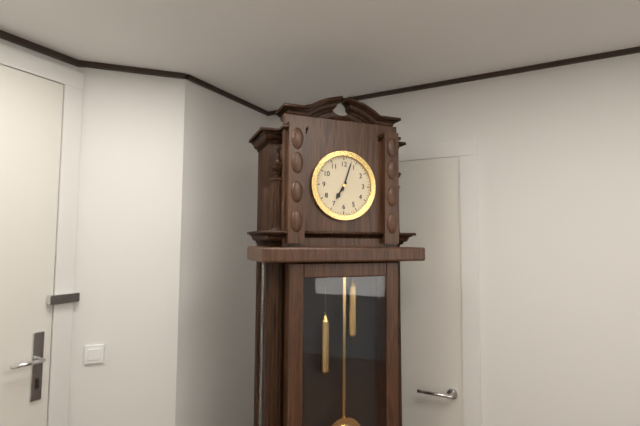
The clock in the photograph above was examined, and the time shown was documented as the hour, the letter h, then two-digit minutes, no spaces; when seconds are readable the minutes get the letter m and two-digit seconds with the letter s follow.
7h03
